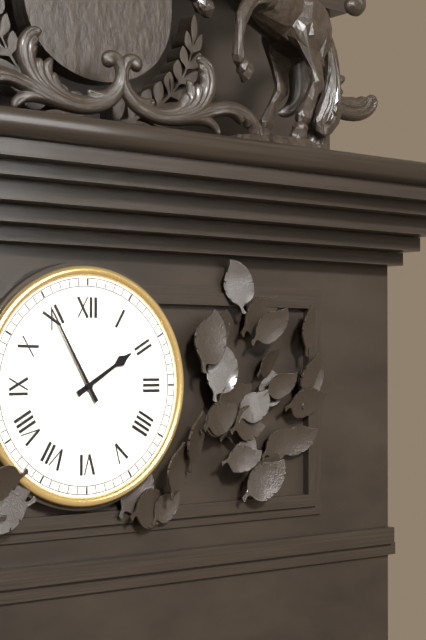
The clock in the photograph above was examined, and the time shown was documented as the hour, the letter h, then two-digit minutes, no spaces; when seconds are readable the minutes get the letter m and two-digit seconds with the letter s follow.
1h55
